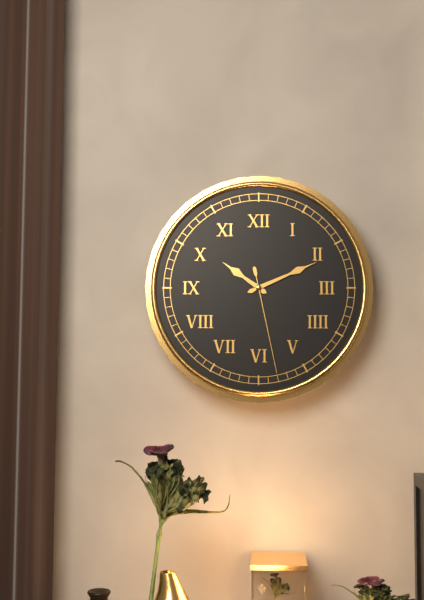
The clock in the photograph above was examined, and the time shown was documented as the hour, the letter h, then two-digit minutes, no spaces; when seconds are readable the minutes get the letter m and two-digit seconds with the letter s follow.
10h11m28s
